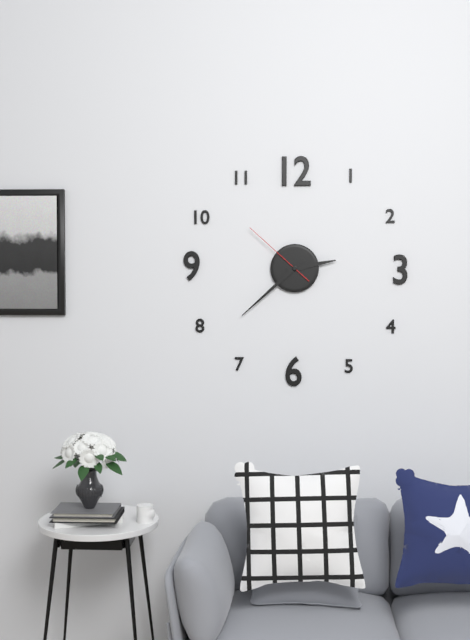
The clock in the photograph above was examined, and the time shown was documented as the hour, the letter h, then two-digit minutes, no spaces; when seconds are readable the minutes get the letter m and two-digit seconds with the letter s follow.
2h38m52s
